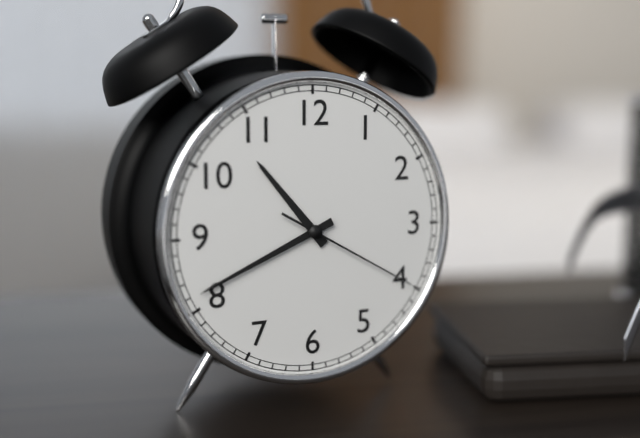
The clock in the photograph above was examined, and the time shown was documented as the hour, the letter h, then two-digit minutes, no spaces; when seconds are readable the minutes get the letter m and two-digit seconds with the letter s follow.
10h41m20s
